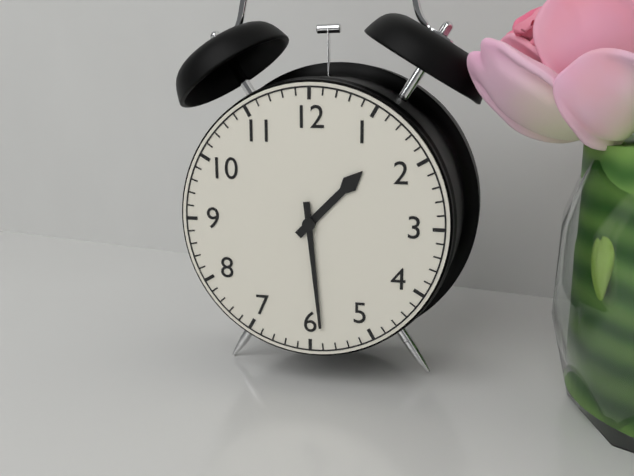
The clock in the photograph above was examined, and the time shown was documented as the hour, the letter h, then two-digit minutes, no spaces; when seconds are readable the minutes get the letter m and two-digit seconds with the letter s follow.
1h29
